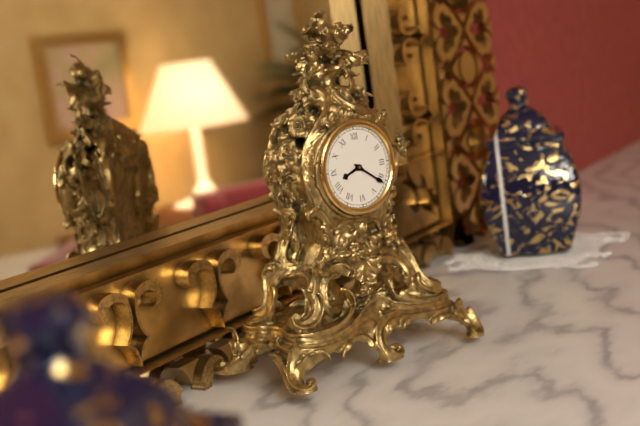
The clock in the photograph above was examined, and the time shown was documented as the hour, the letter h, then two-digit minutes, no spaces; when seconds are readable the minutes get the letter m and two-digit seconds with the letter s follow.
8h21
